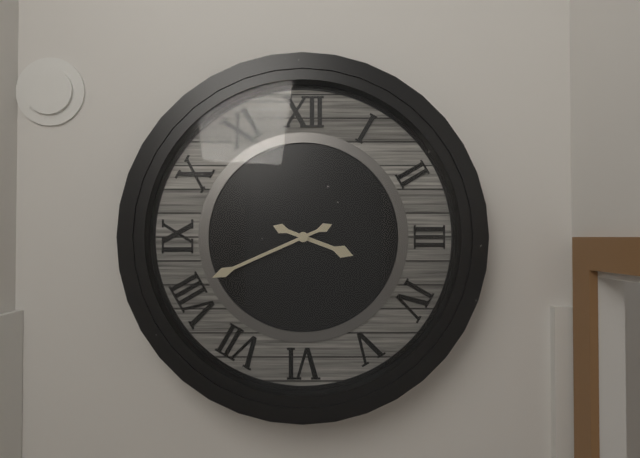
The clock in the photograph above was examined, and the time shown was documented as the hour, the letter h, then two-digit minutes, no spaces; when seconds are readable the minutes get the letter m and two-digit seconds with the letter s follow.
3h41
